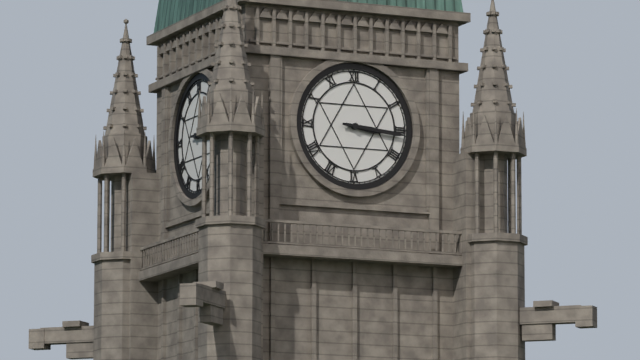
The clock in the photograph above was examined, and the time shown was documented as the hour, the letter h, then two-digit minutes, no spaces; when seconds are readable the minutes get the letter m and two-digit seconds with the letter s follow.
3h16
